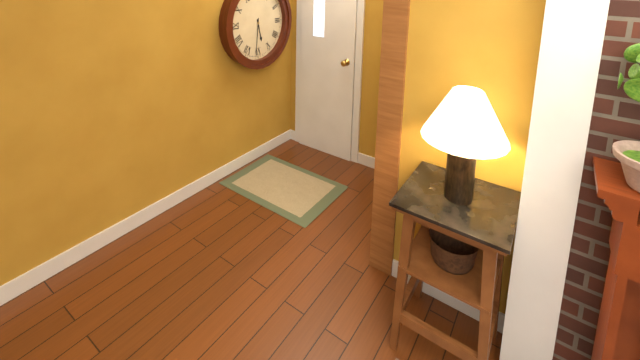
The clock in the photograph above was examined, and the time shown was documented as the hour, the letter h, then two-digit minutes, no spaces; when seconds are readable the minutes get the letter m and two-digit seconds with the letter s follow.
5h31
